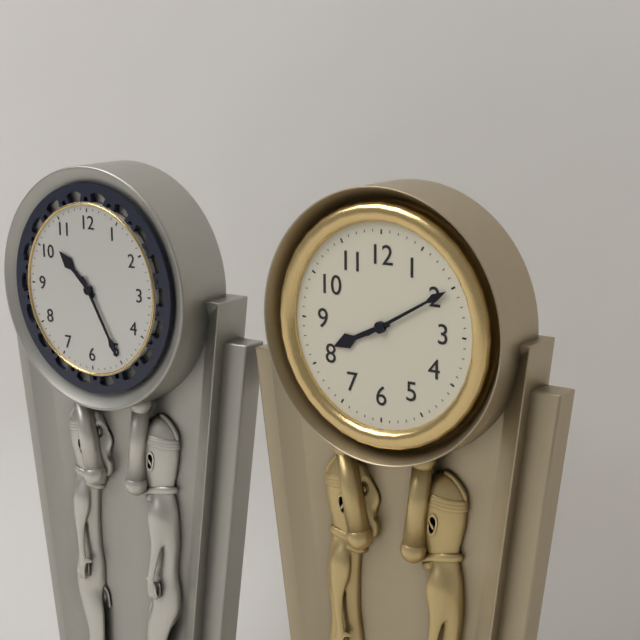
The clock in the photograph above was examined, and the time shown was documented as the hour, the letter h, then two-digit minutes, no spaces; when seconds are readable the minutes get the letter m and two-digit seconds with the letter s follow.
8h10
